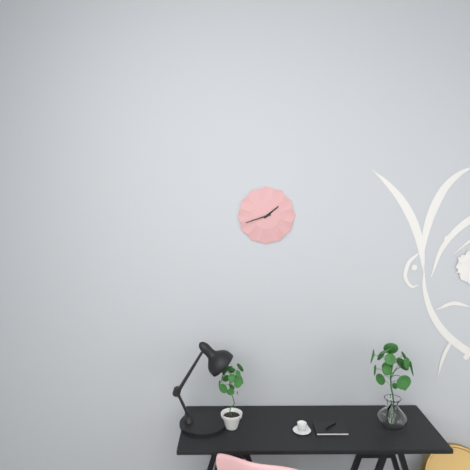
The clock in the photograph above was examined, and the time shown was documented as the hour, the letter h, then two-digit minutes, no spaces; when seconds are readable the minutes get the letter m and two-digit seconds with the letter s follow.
1h42
